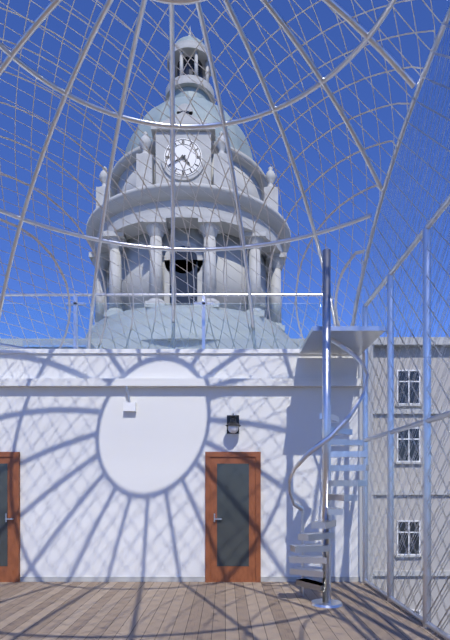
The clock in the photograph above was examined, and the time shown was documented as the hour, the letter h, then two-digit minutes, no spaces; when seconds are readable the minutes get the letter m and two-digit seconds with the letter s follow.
4h40
